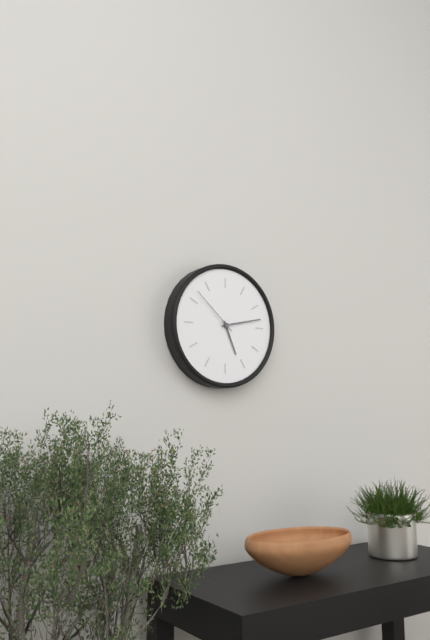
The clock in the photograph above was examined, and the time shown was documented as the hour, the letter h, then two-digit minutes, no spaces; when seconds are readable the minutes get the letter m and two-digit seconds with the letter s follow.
5h13m52s
